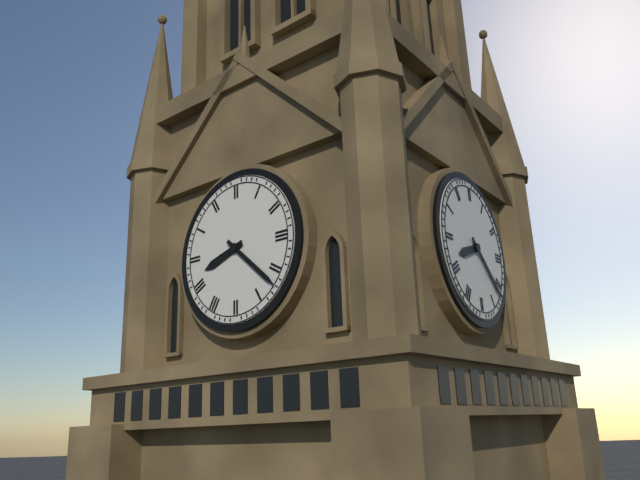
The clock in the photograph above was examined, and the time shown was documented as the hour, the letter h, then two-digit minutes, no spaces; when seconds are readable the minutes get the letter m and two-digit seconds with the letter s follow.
8h22
